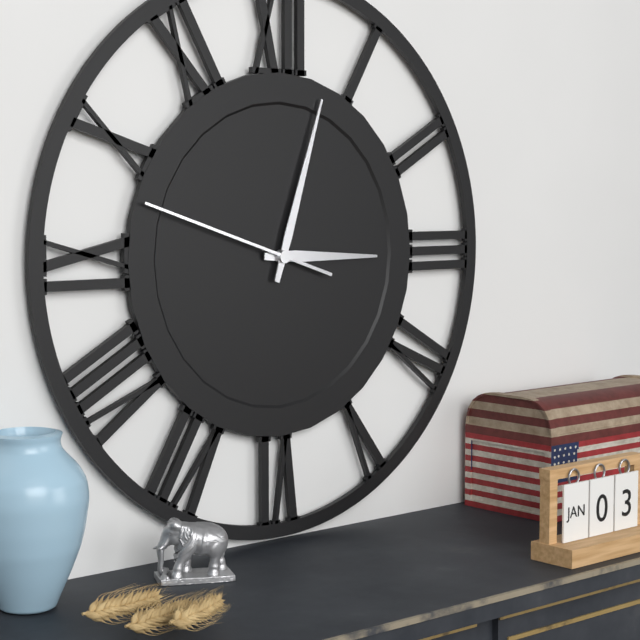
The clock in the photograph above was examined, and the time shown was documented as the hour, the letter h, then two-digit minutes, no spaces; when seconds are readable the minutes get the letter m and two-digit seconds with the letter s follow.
3h03m48s
